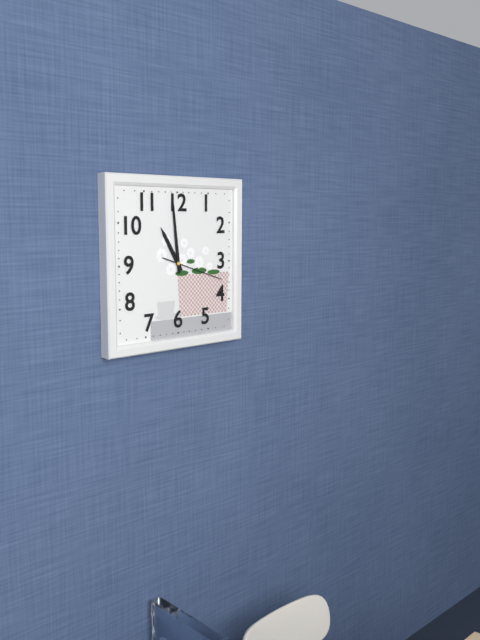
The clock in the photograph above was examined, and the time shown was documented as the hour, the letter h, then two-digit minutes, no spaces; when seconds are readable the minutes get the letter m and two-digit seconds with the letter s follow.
10h59m18s
